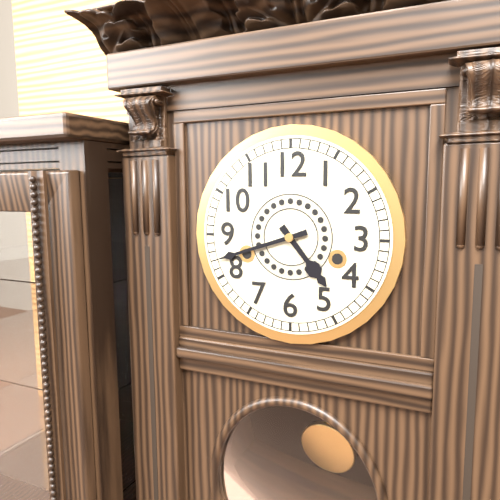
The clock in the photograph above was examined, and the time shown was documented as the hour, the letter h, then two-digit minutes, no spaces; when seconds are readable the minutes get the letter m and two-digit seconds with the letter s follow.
4h42
